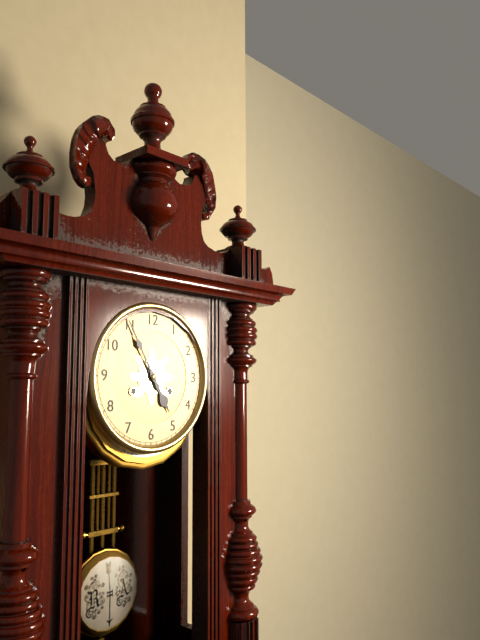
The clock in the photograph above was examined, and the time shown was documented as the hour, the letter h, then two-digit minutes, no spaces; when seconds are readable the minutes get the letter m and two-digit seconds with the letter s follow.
4h55
